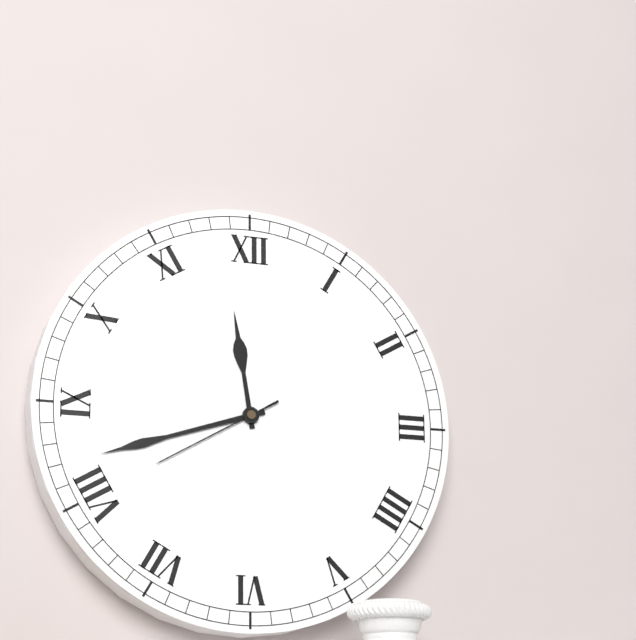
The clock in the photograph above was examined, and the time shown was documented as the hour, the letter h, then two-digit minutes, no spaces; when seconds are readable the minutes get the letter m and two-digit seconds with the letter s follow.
11h42m40s
